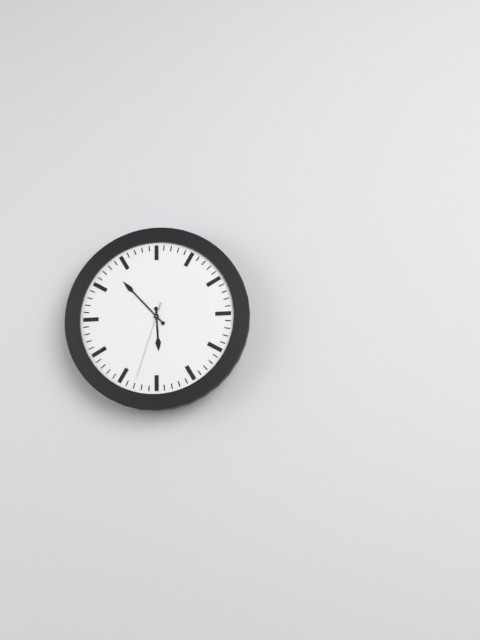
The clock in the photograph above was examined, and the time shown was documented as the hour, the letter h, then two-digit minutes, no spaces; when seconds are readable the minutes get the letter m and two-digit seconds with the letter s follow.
5h53m33s
